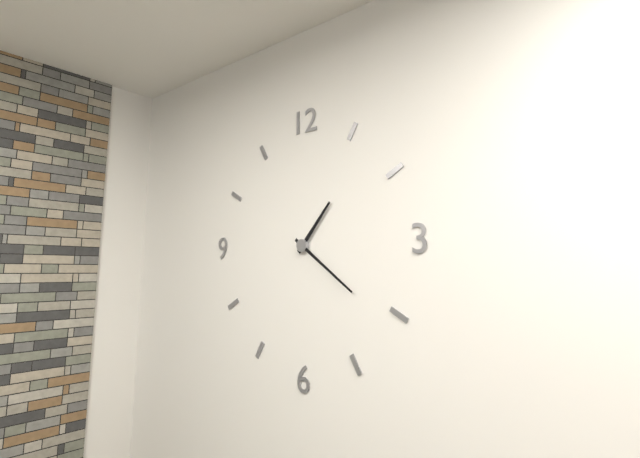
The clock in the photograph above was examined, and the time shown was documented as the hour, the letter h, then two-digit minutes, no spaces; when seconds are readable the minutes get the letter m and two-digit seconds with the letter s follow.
1h21
